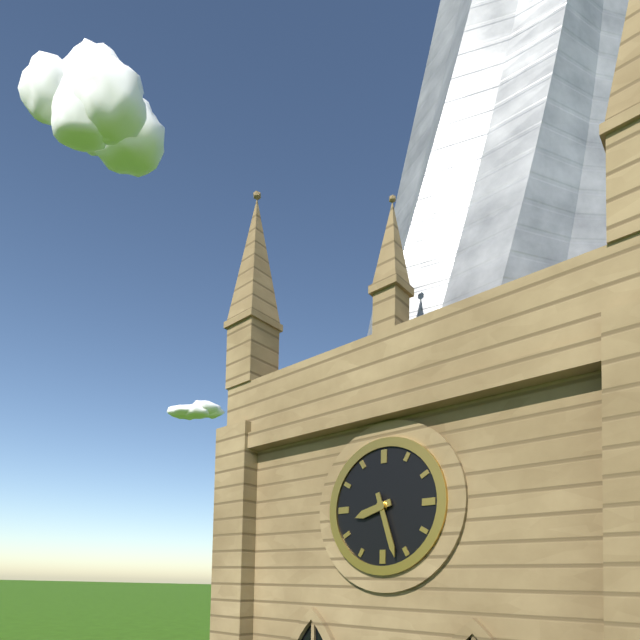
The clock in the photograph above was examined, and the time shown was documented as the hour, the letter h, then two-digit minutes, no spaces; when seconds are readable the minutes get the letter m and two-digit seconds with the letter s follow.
8h27
